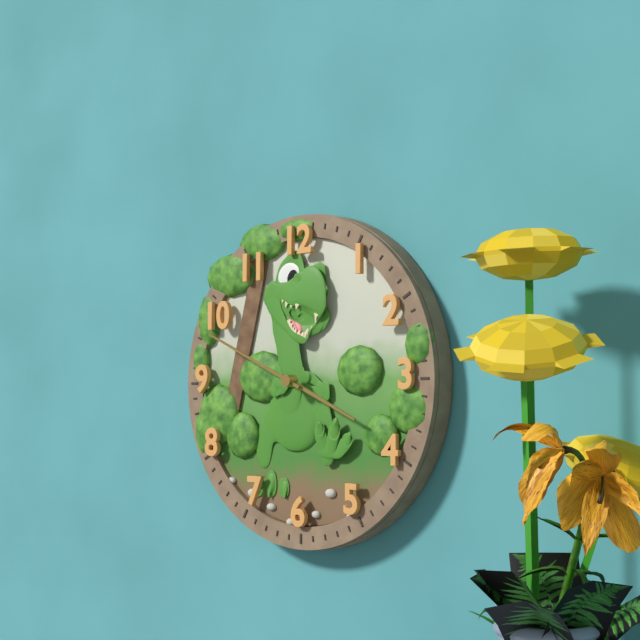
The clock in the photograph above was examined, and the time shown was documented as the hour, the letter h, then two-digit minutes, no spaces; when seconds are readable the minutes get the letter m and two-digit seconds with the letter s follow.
3h49
